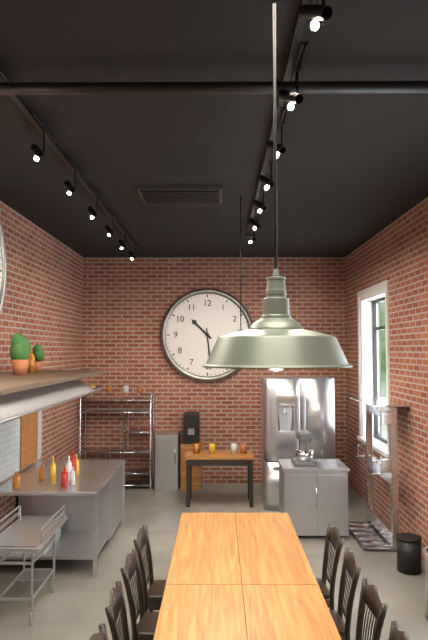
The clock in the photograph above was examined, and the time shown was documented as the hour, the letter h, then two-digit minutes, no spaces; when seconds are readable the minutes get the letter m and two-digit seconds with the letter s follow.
10h29
